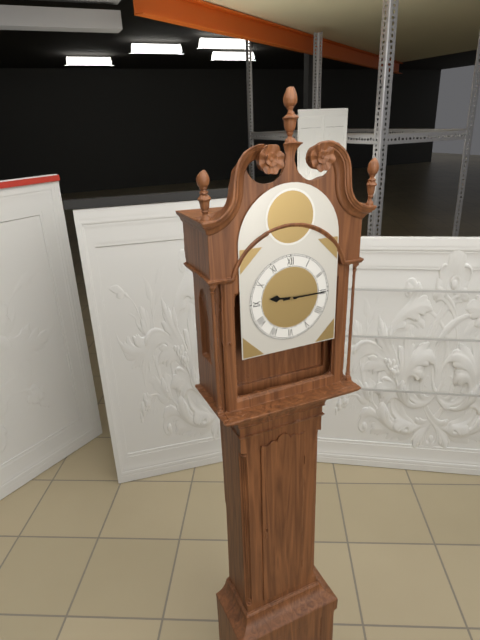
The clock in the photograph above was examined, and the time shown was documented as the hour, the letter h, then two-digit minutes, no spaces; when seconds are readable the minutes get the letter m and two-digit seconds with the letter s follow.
9h15
